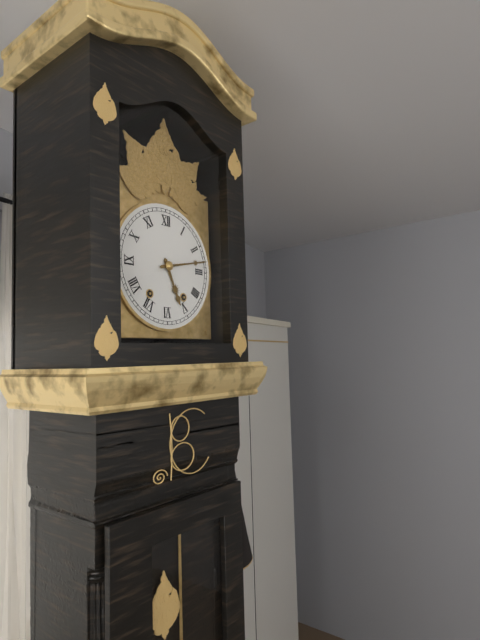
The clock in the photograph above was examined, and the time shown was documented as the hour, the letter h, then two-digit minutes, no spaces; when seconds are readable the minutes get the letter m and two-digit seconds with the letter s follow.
5h13
